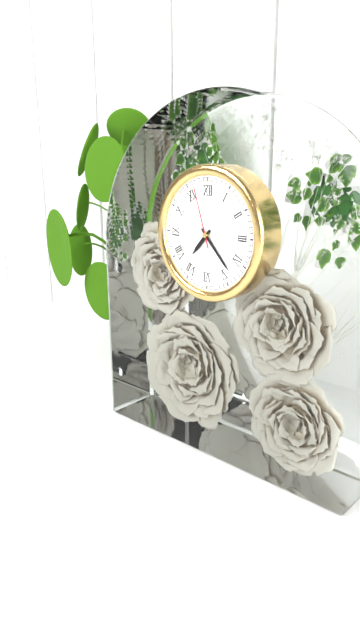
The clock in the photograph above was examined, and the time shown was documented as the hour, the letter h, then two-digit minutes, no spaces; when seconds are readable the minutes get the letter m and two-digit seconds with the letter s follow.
7h23m57s
